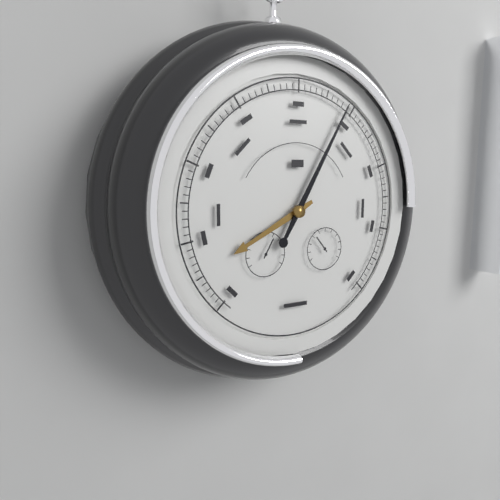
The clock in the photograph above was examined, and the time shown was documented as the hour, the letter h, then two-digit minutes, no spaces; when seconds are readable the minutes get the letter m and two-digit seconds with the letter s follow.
8h05
